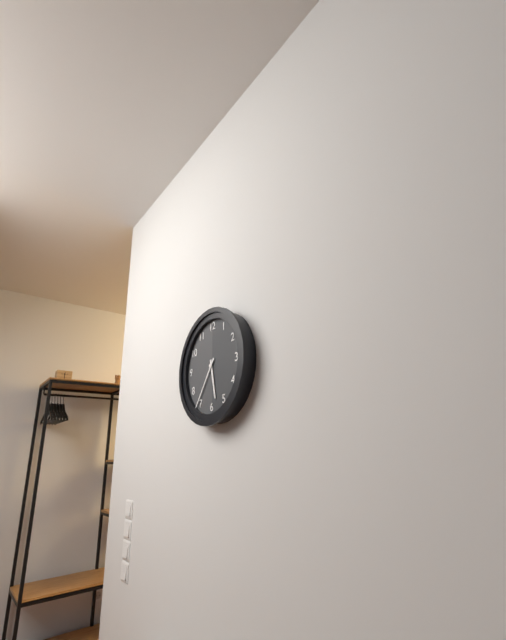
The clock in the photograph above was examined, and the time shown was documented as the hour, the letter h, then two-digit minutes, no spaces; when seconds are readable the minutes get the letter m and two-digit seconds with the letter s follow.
5h36
